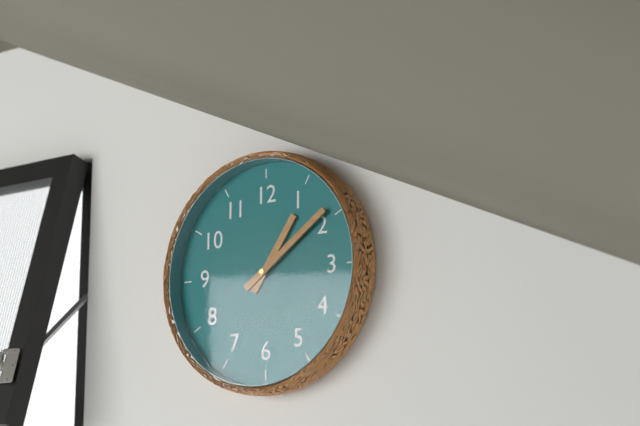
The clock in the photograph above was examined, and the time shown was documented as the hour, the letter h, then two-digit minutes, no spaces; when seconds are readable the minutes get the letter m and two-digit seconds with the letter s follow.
1h09
